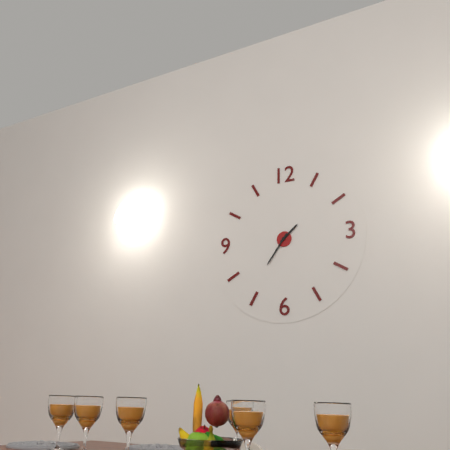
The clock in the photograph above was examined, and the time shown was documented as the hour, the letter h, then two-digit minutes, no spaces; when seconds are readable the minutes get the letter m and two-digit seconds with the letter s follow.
1h36
